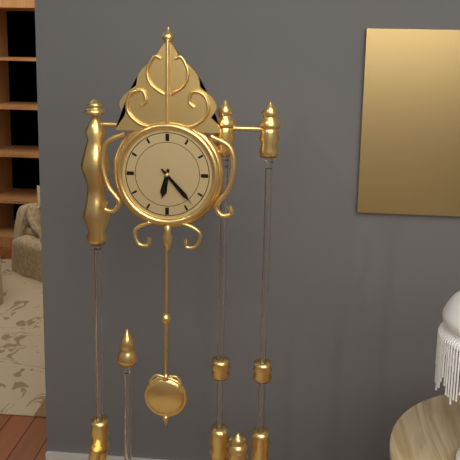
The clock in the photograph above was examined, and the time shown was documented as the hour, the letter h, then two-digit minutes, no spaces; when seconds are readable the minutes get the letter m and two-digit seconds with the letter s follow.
6h23
